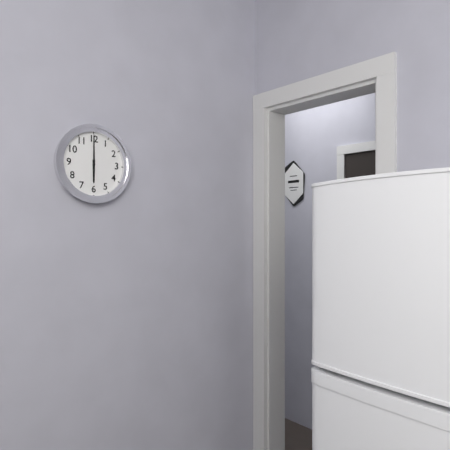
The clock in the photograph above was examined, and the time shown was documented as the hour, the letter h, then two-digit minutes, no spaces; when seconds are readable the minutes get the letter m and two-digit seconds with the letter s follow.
6h00
